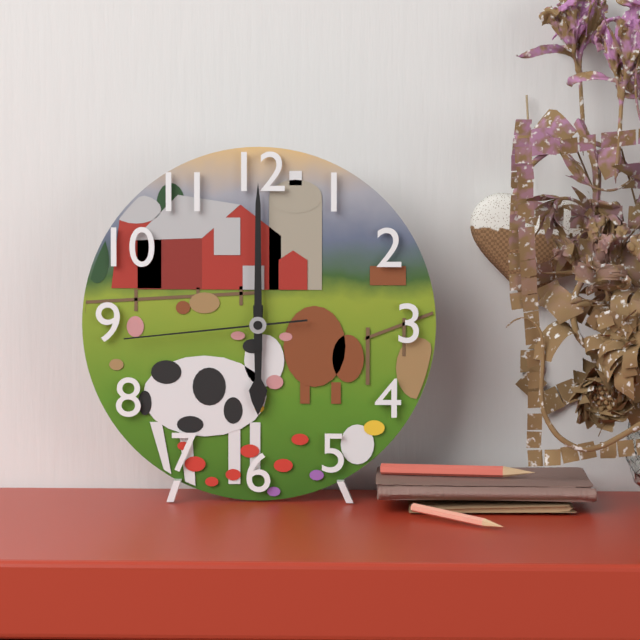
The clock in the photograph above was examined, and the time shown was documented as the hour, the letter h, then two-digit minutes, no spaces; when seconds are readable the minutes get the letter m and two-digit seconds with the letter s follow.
6h00m44s
